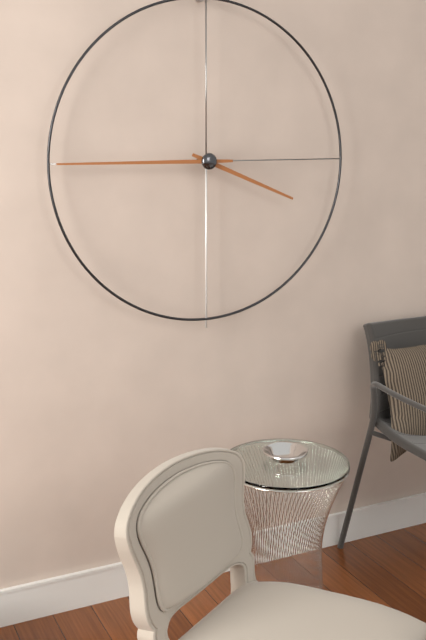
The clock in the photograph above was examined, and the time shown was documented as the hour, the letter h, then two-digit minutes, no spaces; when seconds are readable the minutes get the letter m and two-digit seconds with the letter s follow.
3h45
